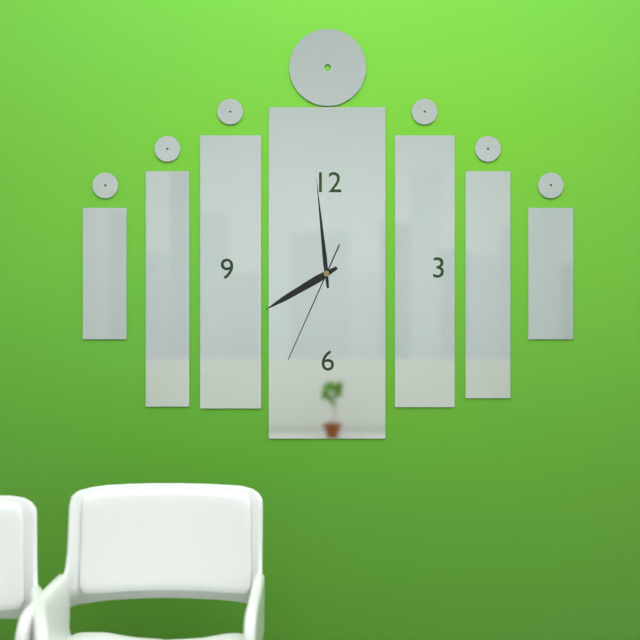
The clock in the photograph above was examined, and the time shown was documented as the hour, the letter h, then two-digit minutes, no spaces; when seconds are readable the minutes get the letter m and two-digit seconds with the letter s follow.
7h59m34s
